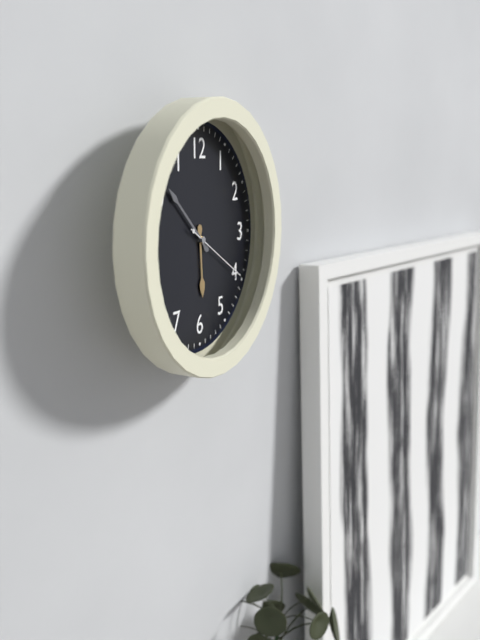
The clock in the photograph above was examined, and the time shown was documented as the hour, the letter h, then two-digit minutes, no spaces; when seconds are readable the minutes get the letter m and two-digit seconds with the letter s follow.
5h52m20s
